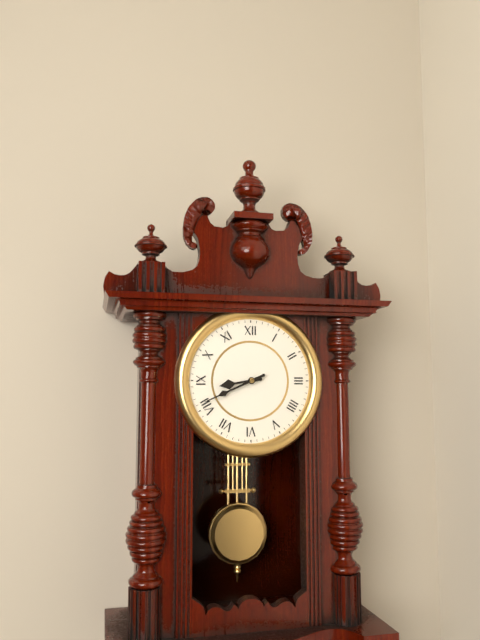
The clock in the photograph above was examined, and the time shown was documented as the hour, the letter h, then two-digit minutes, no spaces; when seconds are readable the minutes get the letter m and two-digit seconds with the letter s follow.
8h41
